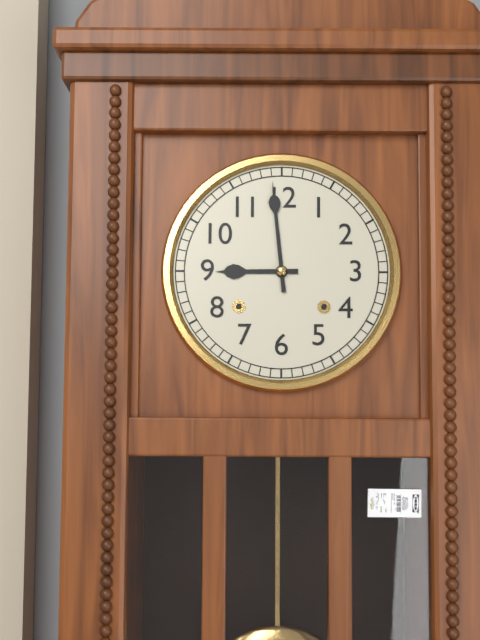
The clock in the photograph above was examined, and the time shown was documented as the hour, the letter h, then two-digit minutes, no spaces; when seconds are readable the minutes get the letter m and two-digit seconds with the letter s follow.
8h59
